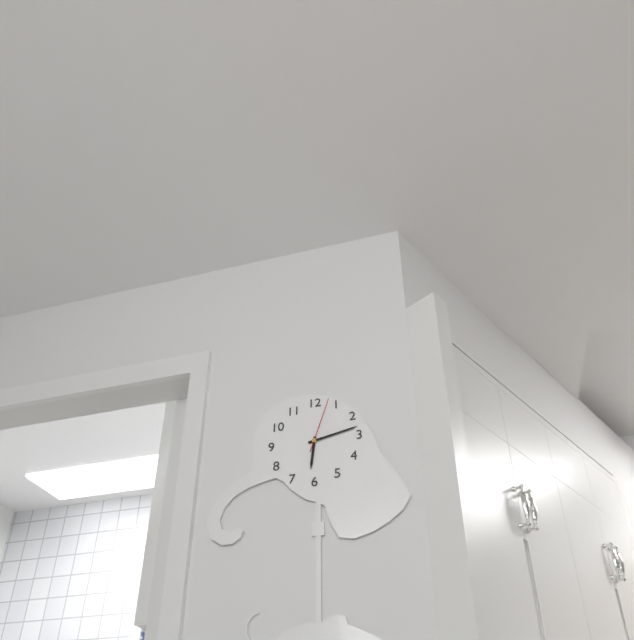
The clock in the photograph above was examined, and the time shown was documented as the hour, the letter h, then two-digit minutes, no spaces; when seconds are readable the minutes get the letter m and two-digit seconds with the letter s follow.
6h13m03s
